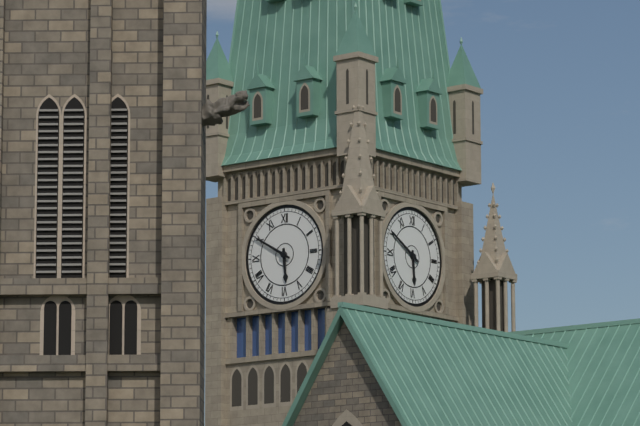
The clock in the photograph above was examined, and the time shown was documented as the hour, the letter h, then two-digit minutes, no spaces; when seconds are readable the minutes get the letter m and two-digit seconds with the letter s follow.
5h50
